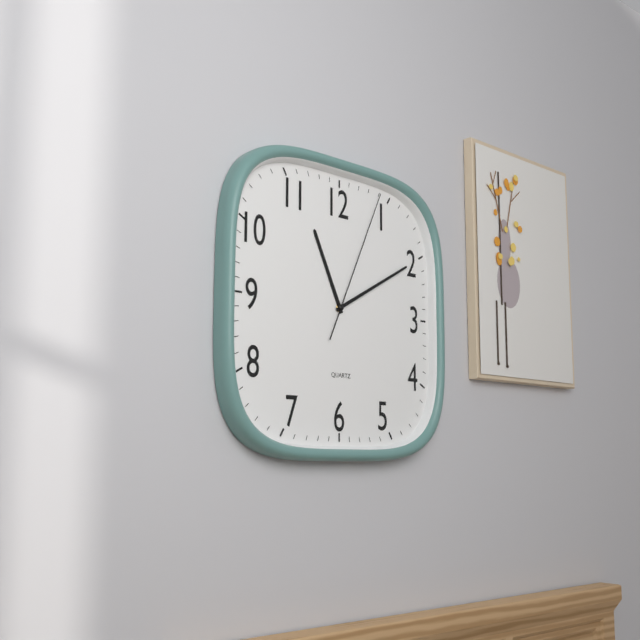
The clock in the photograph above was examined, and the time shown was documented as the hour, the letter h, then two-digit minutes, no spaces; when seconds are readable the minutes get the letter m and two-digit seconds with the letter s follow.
11h10m04s
